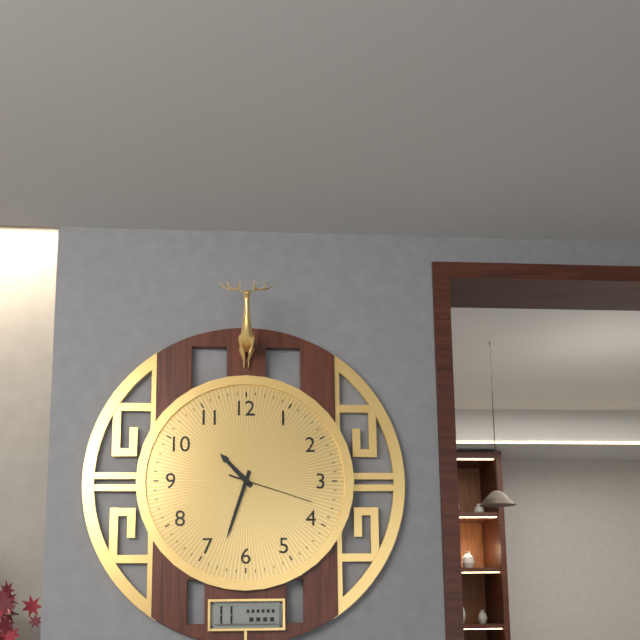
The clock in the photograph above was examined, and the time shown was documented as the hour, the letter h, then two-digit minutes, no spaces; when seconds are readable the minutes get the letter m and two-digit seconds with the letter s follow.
10h33m18s
